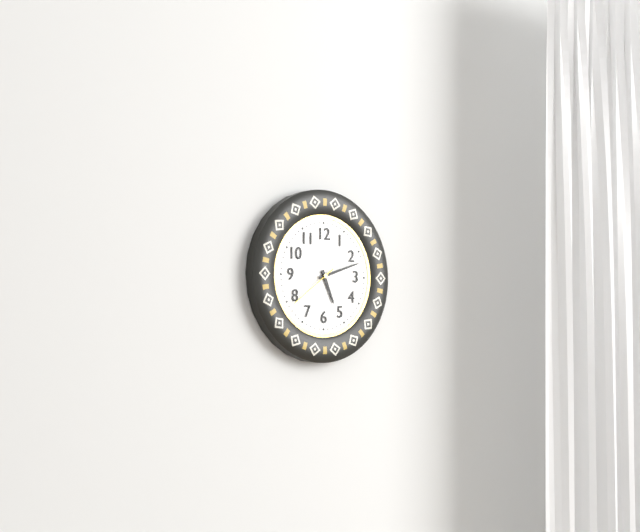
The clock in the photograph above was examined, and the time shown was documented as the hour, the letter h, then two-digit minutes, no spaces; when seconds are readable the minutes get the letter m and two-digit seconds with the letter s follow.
5h12m39s
